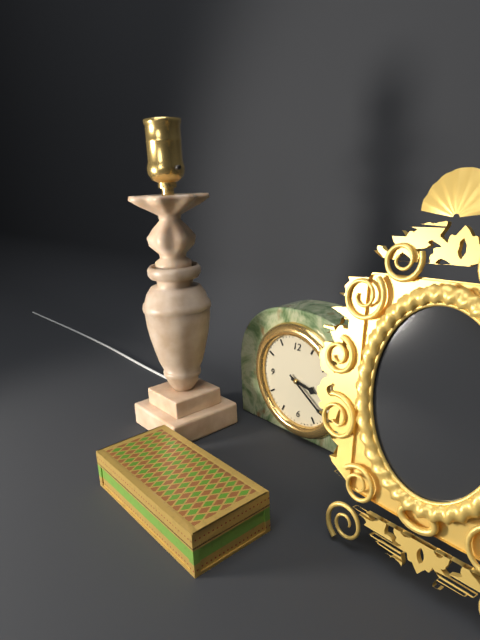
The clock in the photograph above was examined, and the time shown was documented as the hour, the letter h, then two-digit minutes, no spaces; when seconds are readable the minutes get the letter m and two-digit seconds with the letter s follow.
3h21
